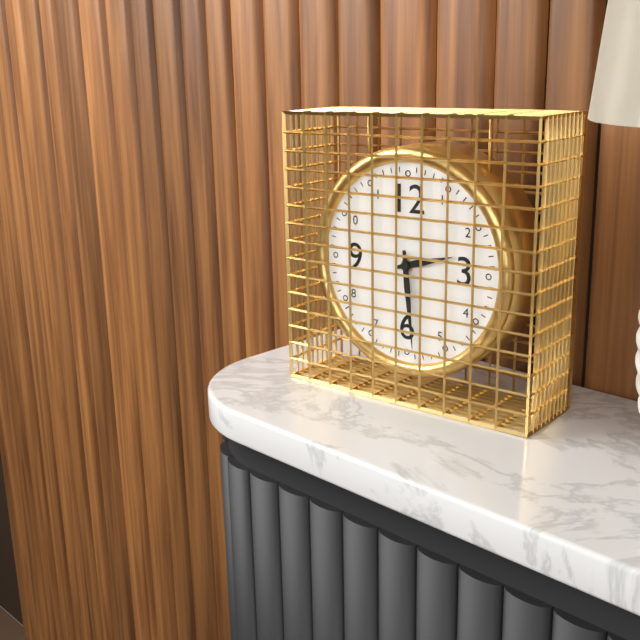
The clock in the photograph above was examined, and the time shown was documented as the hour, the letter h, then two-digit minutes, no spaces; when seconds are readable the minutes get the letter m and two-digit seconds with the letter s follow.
2h29
